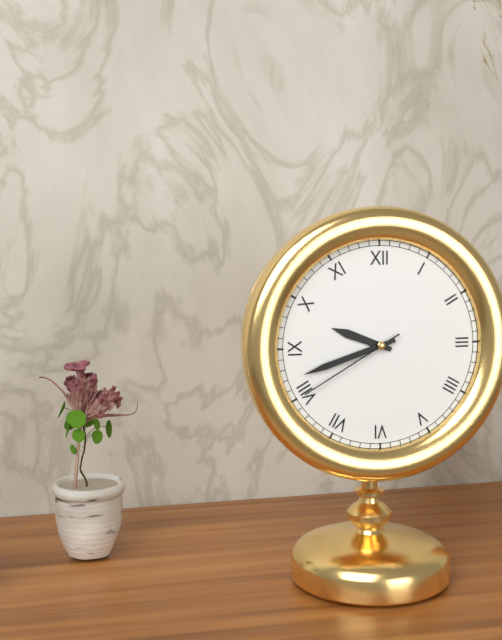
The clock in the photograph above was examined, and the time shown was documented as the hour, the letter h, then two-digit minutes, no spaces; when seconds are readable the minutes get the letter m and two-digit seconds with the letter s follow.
9h42m40s
